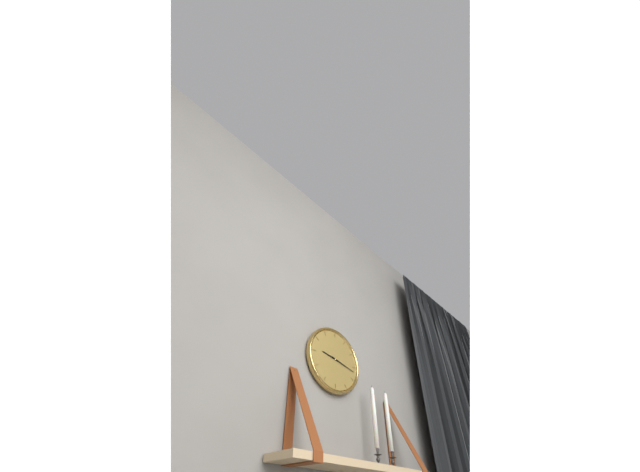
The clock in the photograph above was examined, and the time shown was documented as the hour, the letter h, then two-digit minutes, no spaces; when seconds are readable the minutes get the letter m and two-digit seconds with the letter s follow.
9h17
